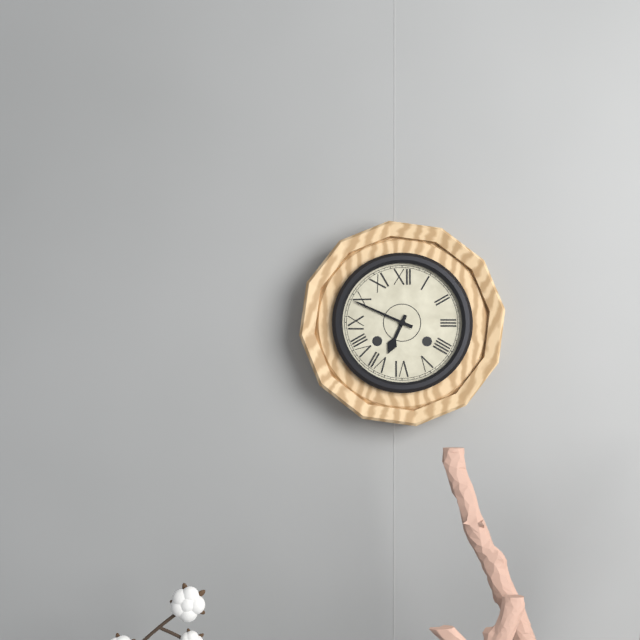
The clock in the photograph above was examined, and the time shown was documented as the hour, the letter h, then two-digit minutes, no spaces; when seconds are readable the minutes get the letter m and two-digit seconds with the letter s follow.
6h49
